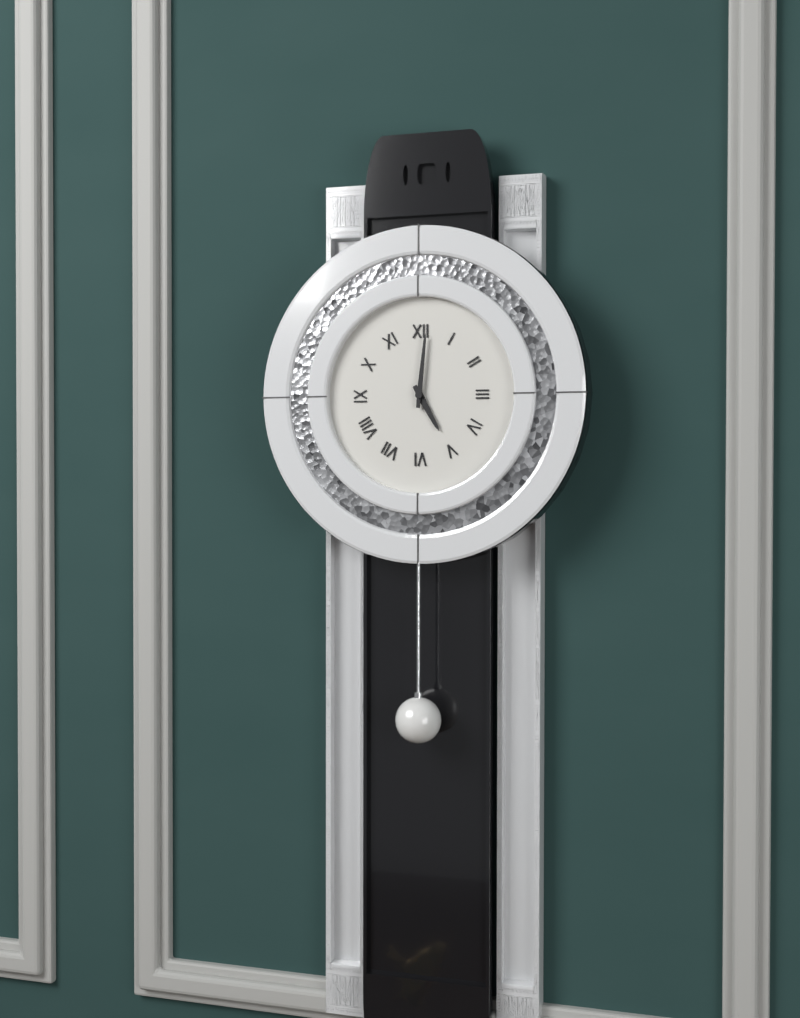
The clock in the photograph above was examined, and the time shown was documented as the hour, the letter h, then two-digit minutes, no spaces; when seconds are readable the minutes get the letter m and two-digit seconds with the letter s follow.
5h01
